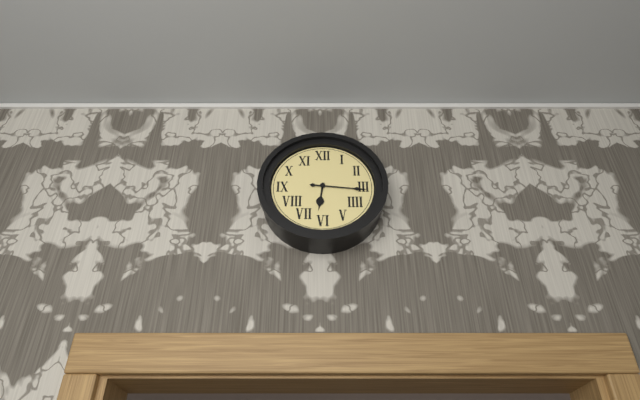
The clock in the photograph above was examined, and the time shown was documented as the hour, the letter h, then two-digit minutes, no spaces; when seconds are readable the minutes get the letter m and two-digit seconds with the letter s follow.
6h16
